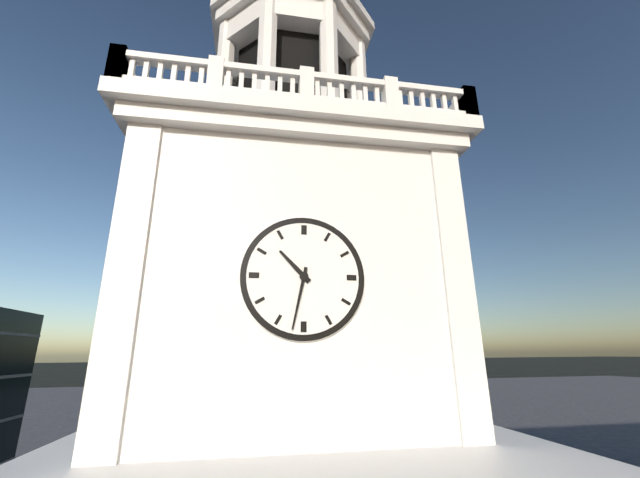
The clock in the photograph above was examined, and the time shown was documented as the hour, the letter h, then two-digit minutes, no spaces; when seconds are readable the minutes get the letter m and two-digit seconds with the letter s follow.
10h32
